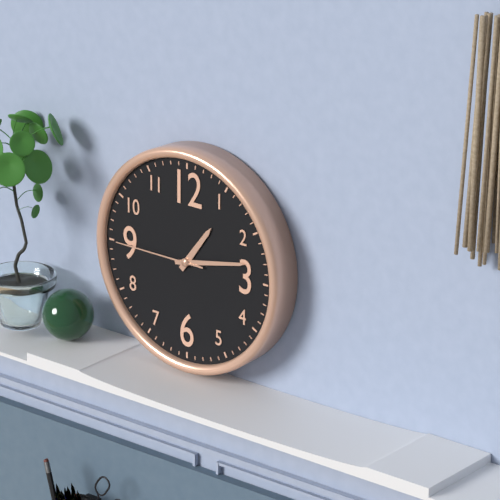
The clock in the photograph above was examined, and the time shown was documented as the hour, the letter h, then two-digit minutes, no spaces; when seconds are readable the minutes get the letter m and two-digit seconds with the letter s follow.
1h13m45s
